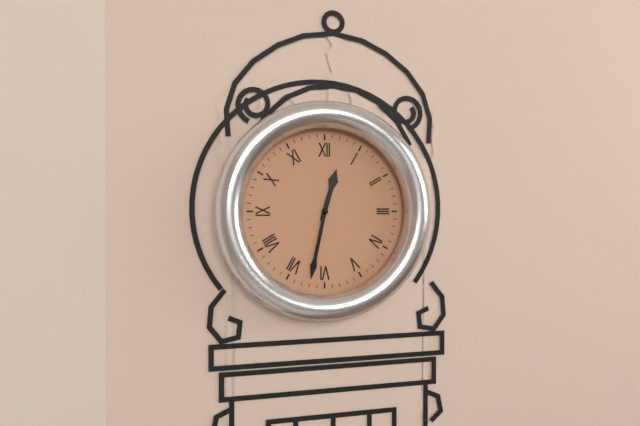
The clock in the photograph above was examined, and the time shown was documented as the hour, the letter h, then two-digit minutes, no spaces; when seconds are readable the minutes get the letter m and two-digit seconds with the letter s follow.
12h32
